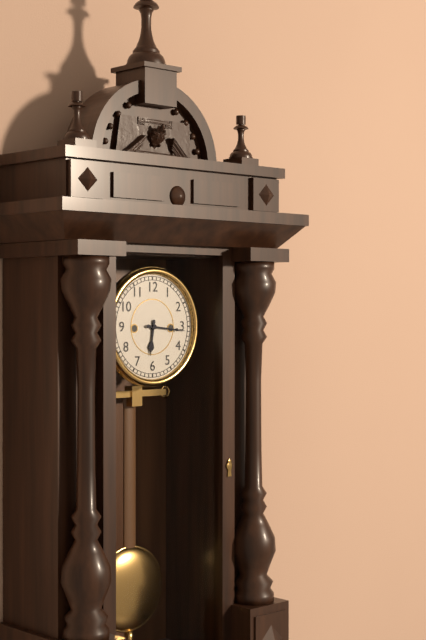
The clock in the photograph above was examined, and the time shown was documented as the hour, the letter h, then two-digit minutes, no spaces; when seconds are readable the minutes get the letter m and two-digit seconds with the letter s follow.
6h16
